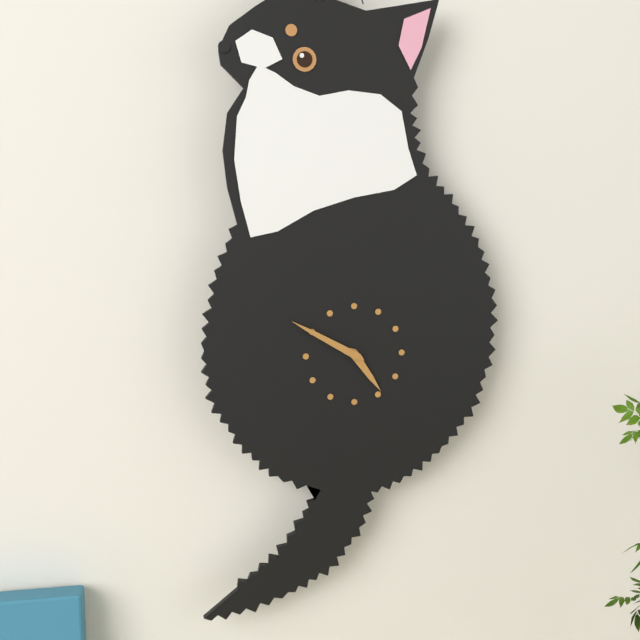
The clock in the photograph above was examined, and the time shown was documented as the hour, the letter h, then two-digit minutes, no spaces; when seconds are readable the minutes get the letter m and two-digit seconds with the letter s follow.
4h50
